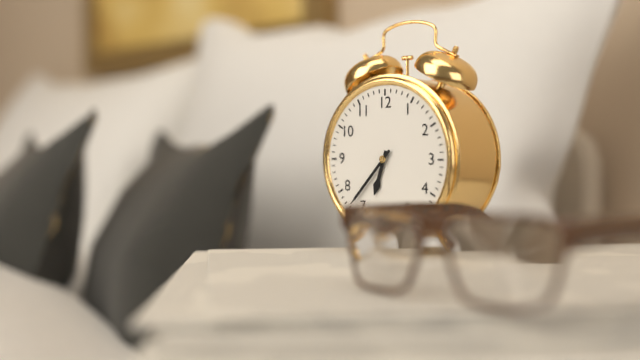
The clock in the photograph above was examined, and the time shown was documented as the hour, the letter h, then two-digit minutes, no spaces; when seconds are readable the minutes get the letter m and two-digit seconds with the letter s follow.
6h37
